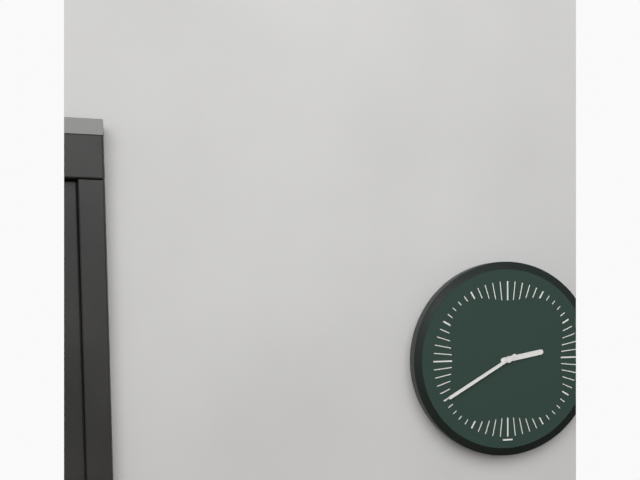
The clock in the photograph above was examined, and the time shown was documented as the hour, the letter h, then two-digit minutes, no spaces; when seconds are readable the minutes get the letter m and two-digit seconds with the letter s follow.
2h40
